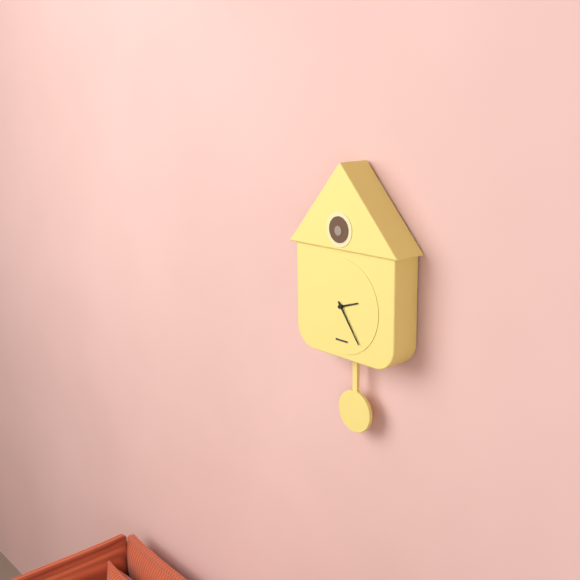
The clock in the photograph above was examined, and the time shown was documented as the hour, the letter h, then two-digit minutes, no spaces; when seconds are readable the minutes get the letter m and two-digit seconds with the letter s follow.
2h24
